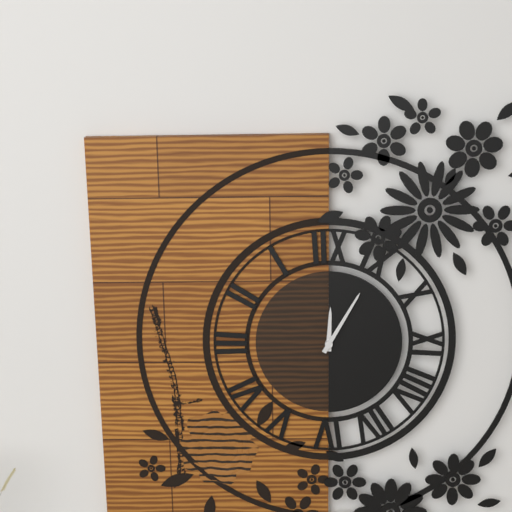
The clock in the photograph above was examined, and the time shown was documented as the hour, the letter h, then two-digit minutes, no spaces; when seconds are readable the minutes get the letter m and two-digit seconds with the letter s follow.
12h05
